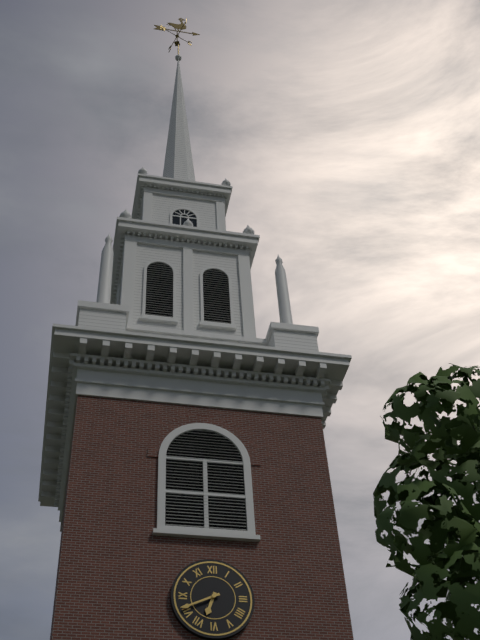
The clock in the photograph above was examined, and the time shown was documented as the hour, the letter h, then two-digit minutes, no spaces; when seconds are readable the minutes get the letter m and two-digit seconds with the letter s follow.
6h41
